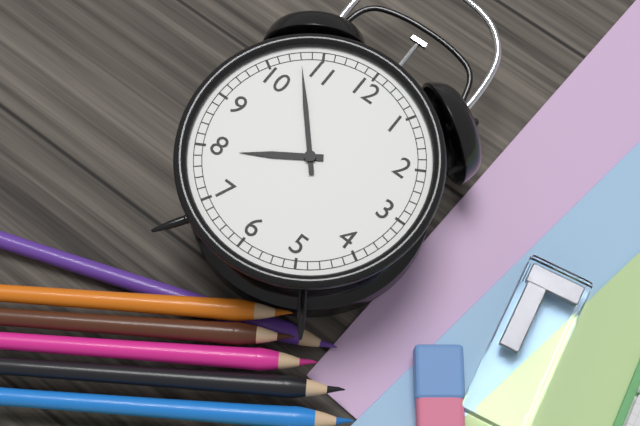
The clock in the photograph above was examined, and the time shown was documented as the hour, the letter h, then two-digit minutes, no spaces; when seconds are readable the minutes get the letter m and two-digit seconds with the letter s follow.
7h53
